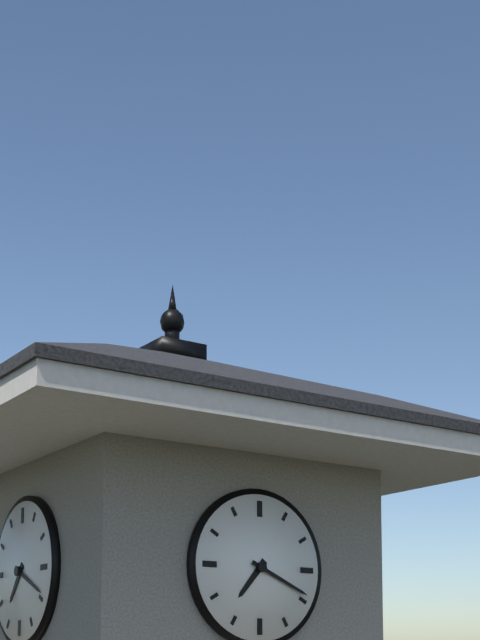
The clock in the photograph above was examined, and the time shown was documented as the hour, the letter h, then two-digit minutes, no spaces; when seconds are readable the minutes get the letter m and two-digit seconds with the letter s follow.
7h19
